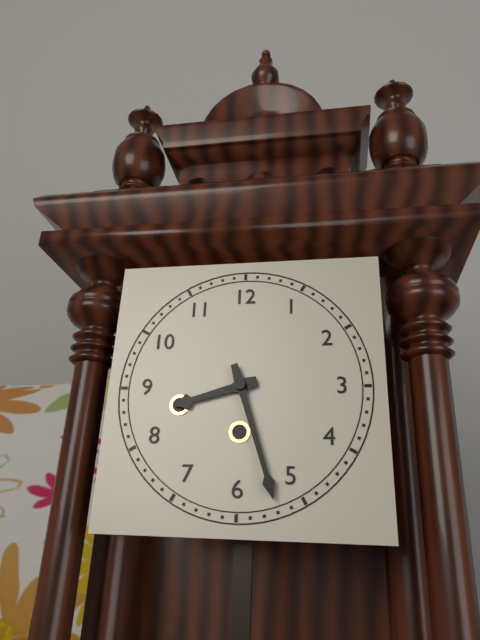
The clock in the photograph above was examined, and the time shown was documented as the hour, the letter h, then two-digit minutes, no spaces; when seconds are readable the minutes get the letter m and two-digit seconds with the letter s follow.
8h27
